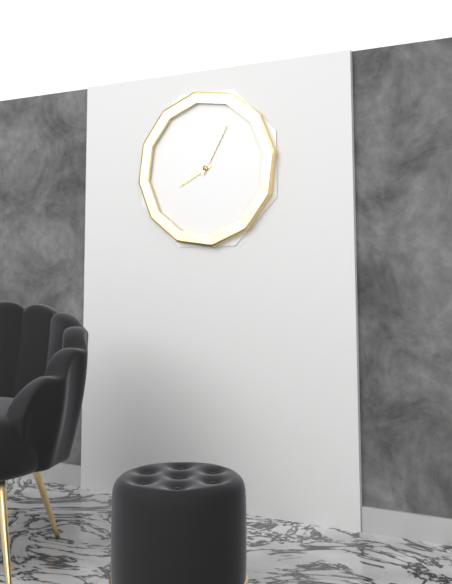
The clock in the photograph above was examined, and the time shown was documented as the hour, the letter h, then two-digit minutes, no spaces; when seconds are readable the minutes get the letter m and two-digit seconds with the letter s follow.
8h05
